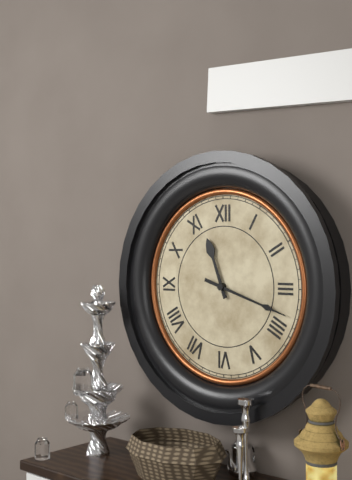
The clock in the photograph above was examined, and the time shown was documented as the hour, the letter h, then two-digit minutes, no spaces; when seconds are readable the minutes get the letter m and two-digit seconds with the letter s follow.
11h18
